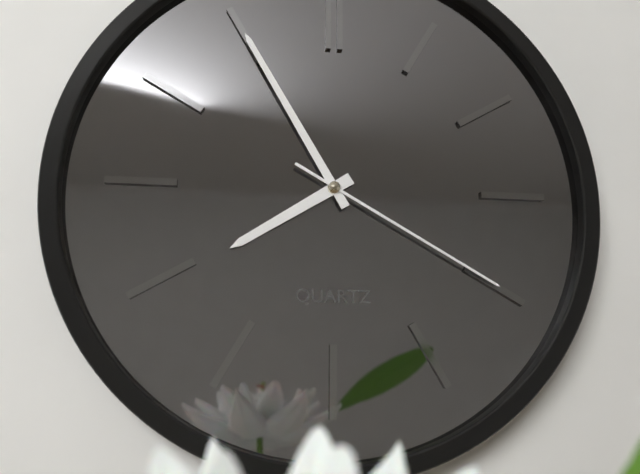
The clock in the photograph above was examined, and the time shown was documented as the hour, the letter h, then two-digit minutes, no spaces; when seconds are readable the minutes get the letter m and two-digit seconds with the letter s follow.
7h55m20s
